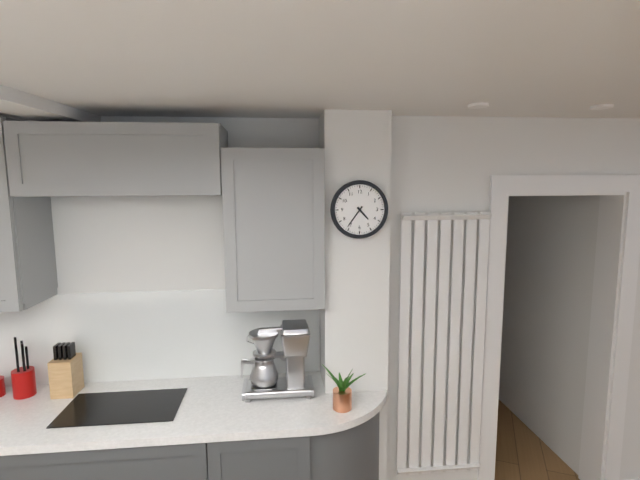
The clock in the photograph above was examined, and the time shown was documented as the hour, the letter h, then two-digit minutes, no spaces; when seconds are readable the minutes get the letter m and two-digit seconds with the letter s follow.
4h36
